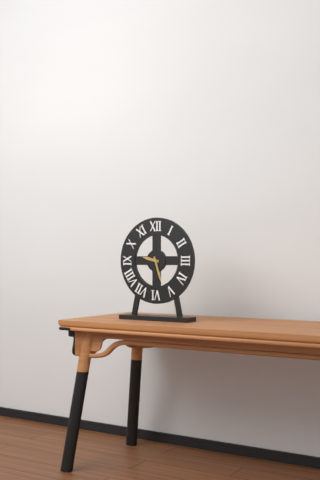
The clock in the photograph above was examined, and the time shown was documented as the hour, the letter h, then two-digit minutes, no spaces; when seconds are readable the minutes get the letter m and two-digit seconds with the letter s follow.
9h27
